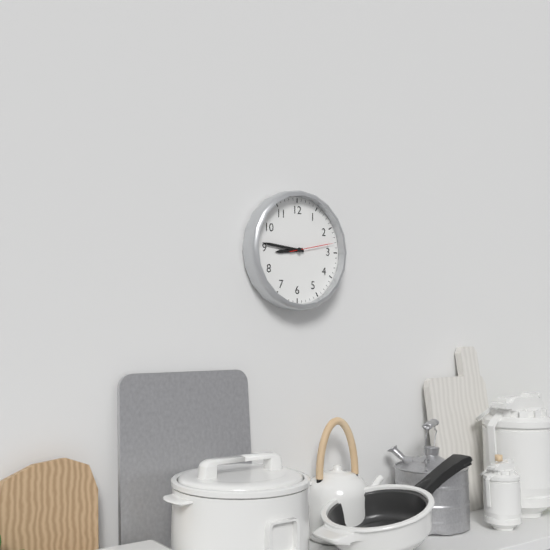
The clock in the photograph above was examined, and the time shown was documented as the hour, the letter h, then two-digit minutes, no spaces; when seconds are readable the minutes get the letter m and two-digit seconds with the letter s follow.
8h46
